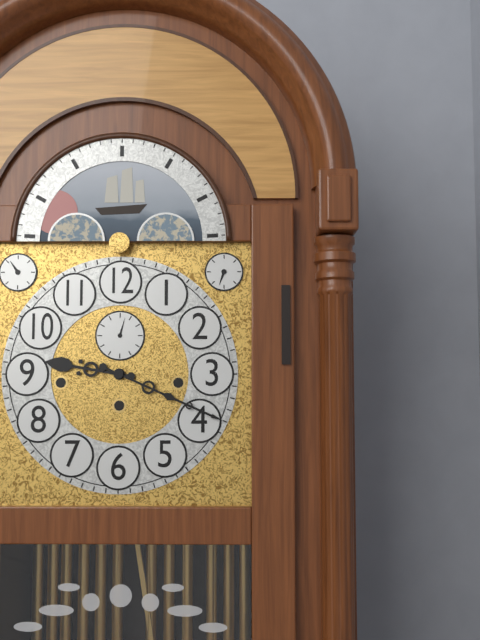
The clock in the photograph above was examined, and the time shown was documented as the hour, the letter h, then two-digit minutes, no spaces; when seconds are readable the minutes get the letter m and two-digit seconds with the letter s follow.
9h19
